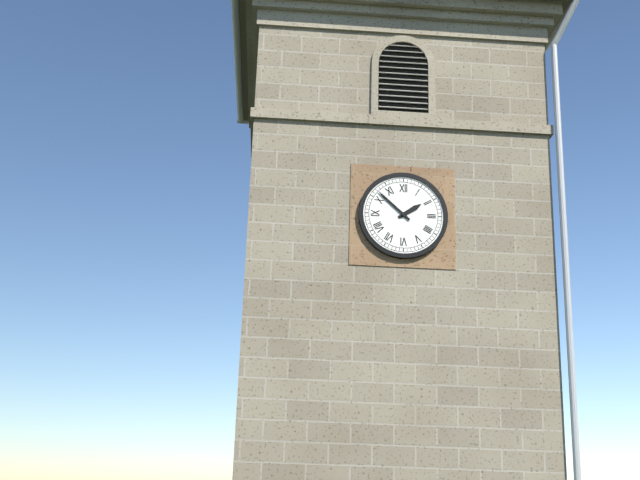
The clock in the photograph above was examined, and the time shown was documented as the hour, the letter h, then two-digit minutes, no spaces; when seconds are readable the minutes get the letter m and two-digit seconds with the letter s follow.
1h52
